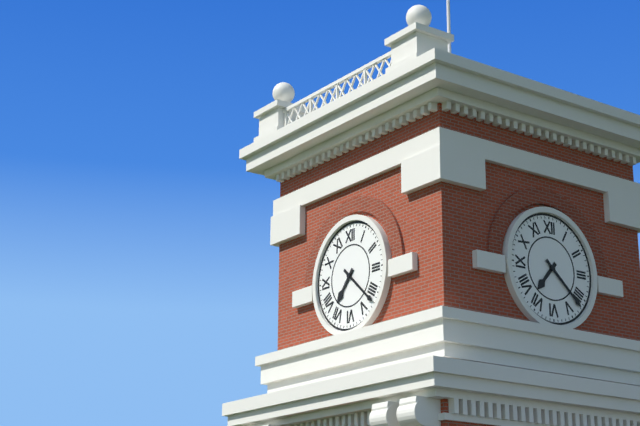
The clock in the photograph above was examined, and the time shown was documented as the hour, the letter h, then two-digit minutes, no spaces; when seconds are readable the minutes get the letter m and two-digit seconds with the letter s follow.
7h22
